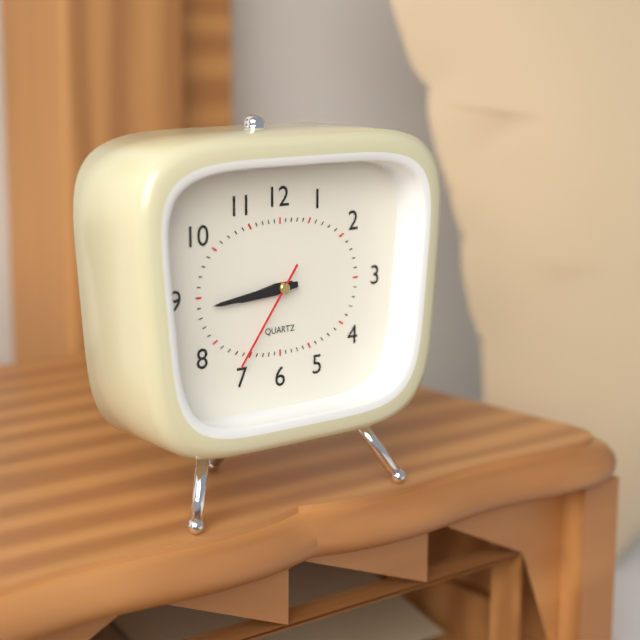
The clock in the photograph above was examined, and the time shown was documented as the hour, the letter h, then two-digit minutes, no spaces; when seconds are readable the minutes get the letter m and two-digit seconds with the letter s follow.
8h44m36s
